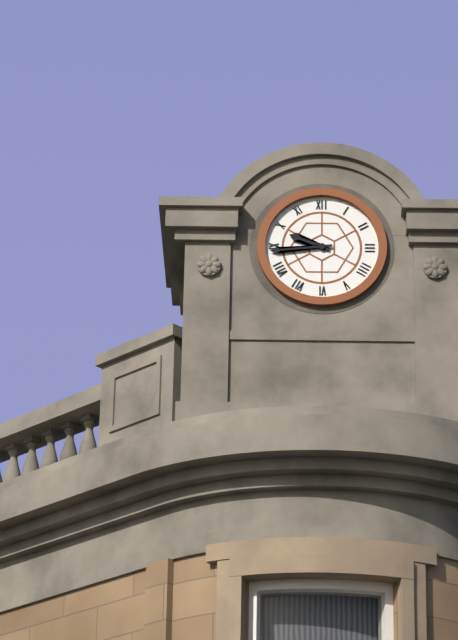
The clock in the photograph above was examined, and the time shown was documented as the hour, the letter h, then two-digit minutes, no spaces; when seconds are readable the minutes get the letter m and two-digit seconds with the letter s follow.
9h44
